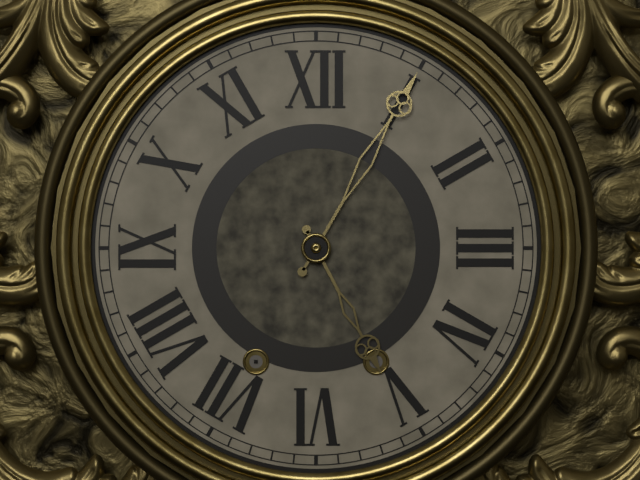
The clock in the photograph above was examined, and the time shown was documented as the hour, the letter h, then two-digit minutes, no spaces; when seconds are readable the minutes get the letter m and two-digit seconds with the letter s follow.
5h05
